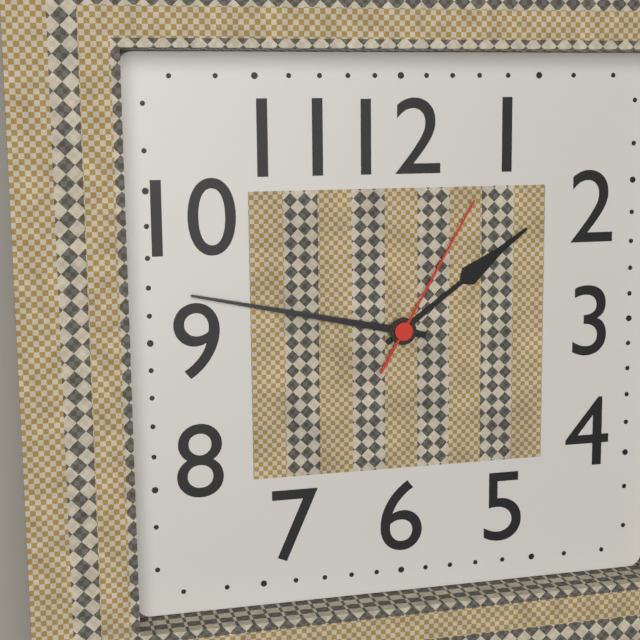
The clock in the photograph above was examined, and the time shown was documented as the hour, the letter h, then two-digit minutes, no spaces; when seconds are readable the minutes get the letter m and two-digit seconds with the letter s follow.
1h47m05s
